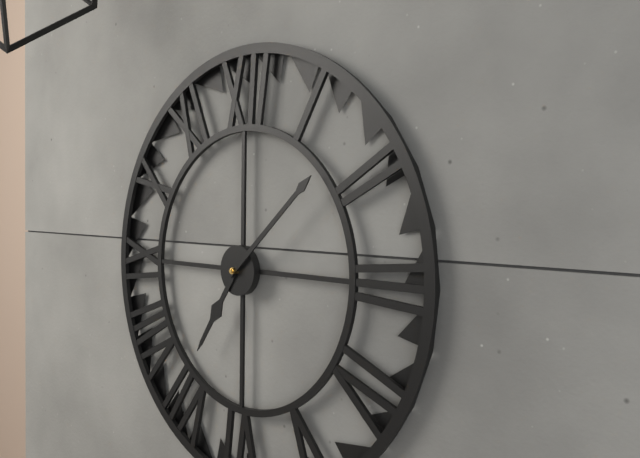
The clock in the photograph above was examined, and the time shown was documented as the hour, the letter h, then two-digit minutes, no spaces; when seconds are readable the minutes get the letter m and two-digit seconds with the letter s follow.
7h08
